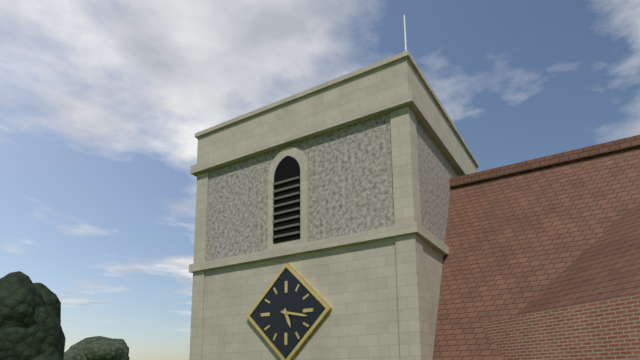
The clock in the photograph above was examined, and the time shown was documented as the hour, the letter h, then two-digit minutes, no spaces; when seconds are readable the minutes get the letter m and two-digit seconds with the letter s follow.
5h17
